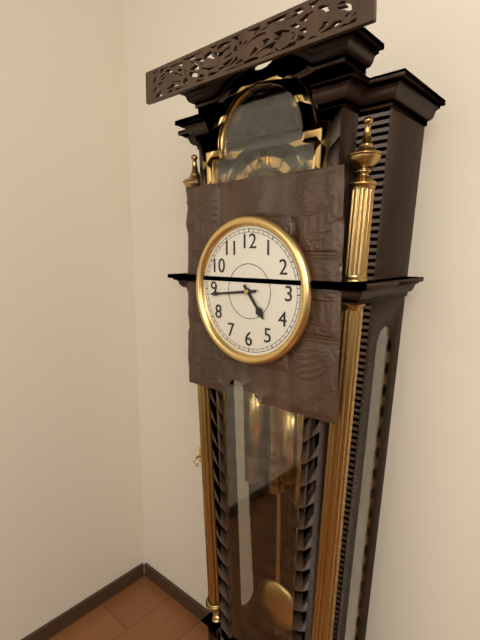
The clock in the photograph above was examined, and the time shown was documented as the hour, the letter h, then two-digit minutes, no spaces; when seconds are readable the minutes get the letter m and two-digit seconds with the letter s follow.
4h44
